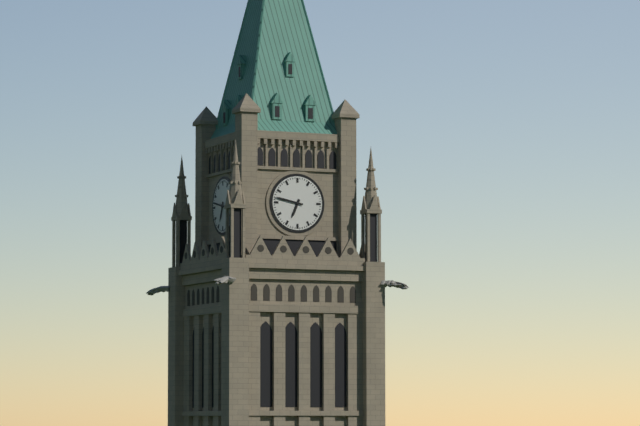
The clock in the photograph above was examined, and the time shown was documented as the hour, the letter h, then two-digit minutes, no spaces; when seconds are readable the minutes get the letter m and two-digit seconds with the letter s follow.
6h47
